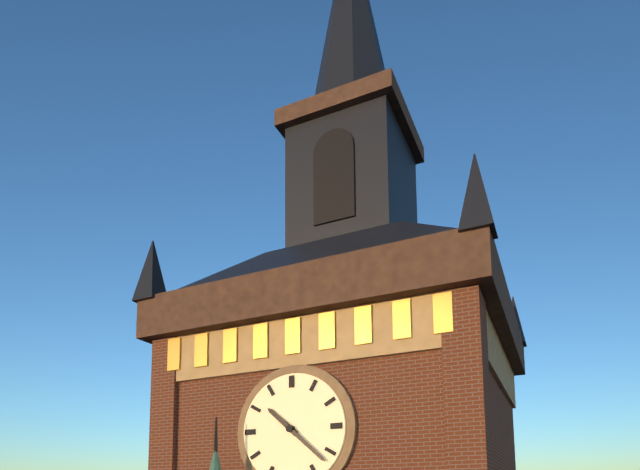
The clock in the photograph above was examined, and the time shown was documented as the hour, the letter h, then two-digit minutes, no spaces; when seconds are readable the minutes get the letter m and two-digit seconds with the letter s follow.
10h22
